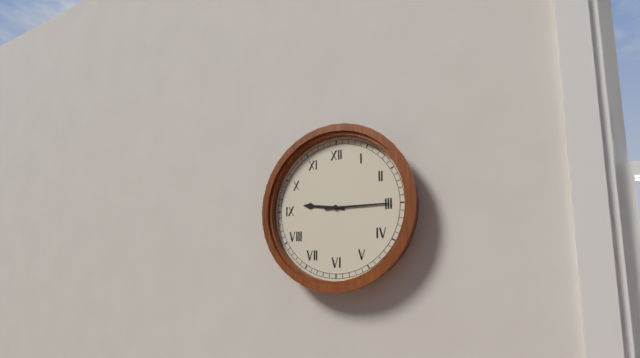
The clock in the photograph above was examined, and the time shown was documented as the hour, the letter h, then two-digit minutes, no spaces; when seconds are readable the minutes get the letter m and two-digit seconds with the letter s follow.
9h15
